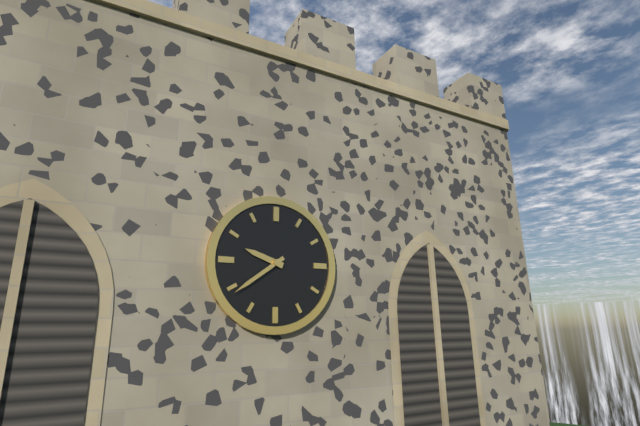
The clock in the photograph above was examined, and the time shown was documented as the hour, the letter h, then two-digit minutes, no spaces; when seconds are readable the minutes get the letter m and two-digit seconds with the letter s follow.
9h39
